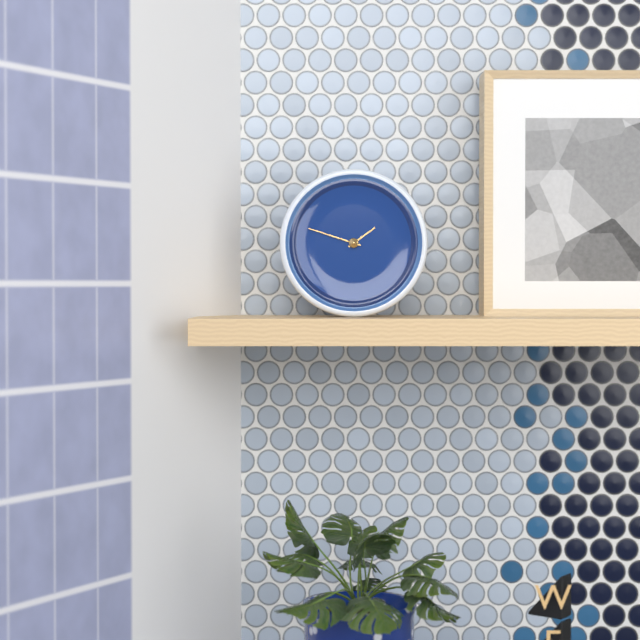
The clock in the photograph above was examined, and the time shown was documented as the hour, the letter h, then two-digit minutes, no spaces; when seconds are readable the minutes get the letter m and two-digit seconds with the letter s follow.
1h48
